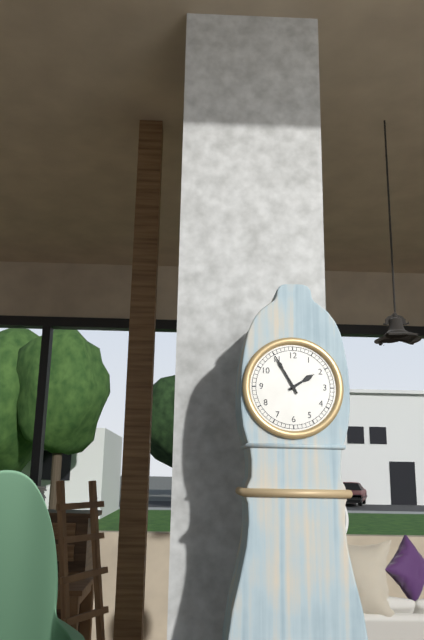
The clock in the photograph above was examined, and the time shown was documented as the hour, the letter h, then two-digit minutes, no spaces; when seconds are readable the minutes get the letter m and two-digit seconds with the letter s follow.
1h55
